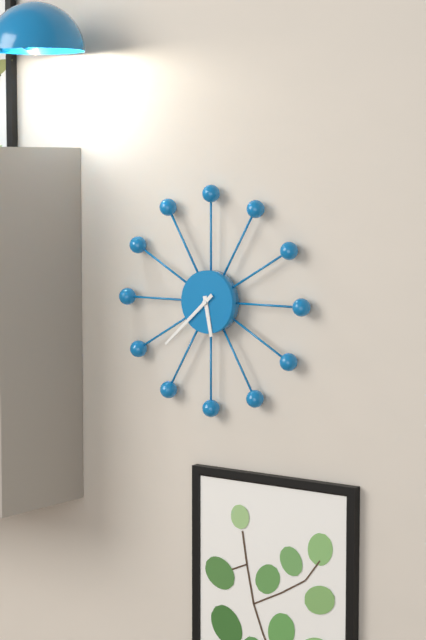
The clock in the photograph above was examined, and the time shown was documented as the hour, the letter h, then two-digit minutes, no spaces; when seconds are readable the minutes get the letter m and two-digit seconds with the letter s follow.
5h38
